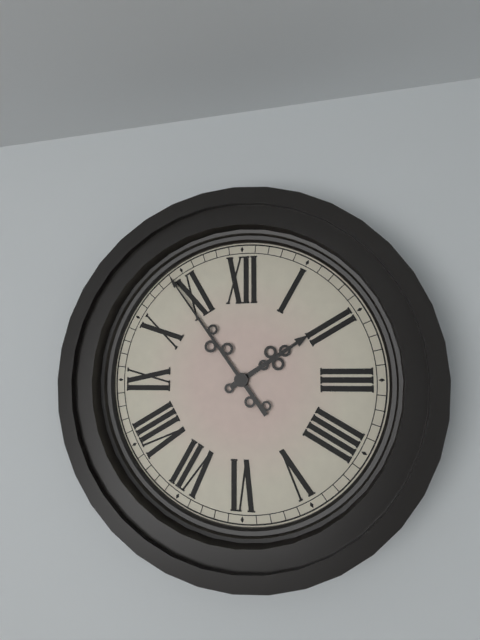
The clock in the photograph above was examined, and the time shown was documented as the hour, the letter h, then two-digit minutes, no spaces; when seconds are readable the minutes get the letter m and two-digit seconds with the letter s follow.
1h54
